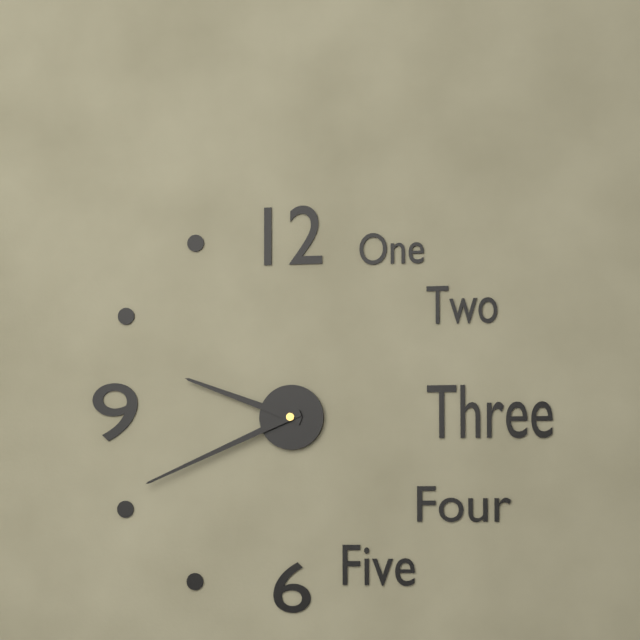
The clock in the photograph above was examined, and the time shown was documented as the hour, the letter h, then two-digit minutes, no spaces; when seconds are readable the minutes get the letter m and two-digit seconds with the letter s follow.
9h41
